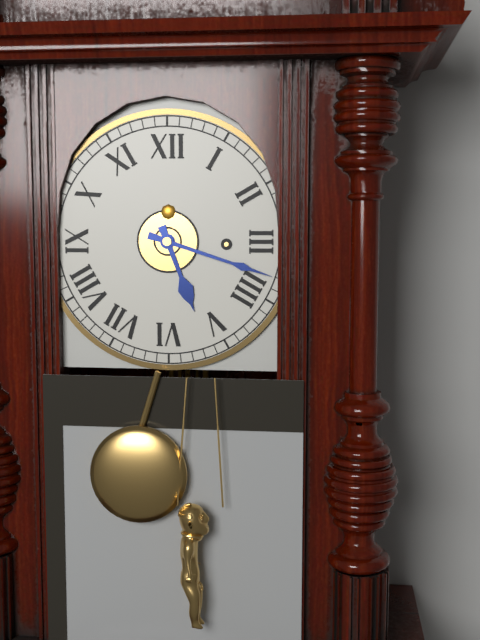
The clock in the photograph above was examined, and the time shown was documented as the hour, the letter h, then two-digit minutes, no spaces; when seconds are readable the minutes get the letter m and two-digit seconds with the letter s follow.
5h18
